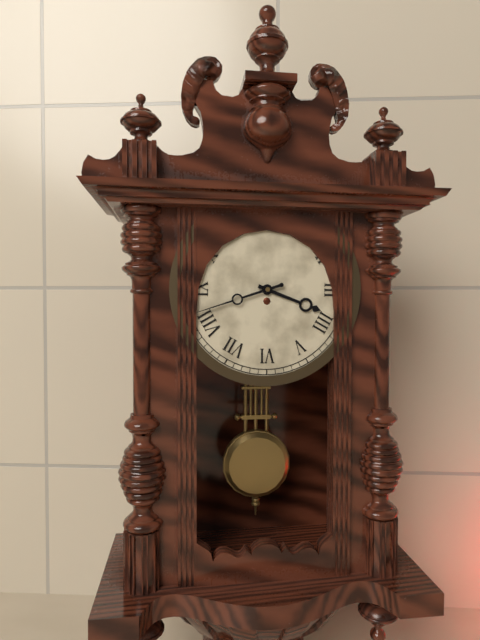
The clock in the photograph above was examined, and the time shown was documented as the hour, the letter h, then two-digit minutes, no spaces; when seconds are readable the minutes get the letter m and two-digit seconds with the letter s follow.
3h42
